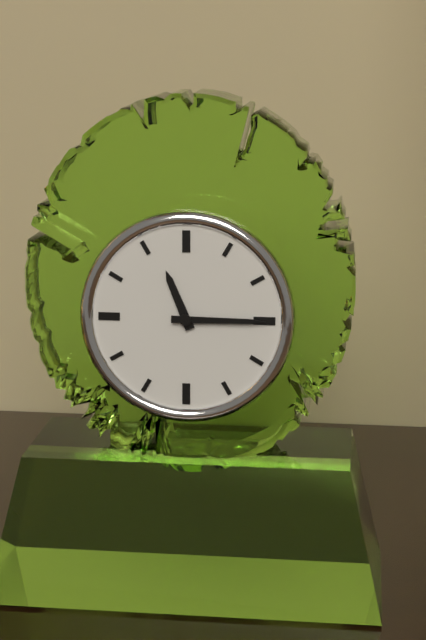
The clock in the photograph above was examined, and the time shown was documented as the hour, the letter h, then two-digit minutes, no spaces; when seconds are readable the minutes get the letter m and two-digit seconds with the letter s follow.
11h15
